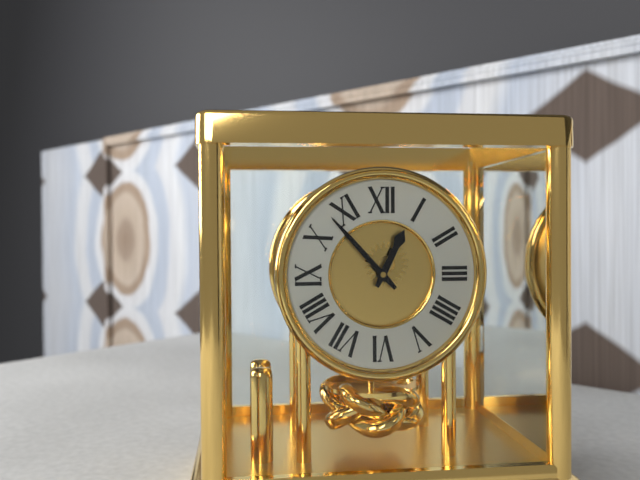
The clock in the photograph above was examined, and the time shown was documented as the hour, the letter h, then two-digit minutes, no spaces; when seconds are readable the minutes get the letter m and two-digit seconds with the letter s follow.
12h53
